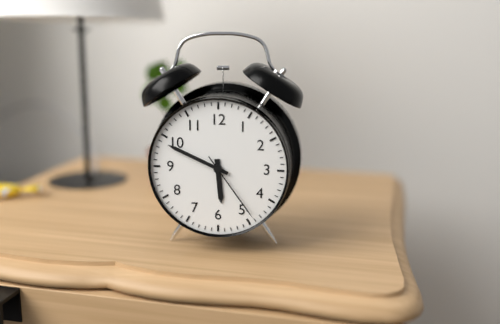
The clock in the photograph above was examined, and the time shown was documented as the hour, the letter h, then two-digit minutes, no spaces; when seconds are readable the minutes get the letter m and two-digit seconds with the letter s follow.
5h49m24s
